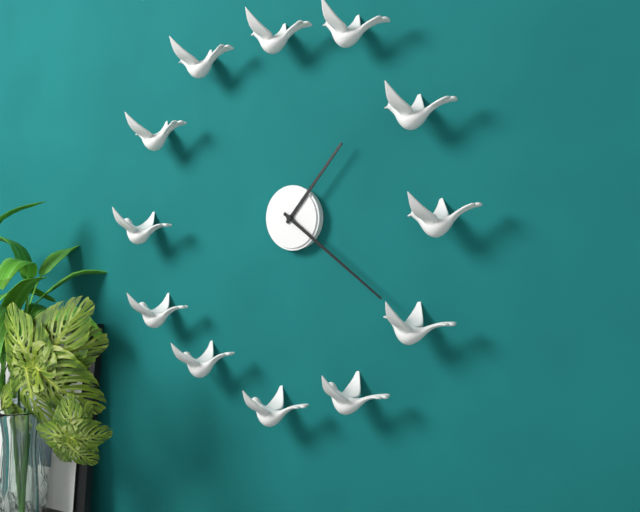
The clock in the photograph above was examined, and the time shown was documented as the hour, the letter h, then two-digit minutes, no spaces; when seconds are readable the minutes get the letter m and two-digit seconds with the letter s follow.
1h21
